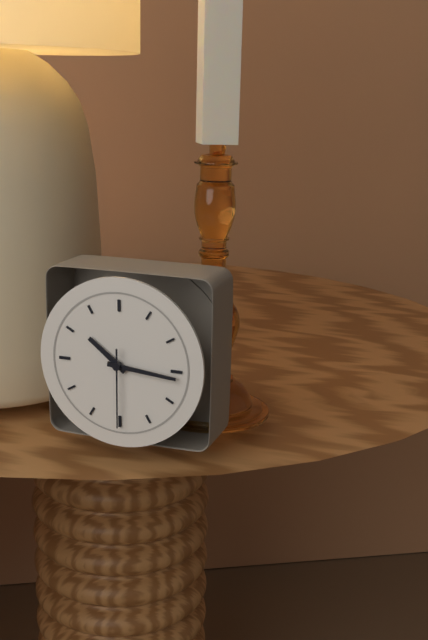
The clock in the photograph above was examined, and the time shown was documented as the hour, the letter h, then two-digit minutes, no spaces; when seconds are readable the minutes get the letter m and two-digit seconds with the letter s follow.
10h16m30s
